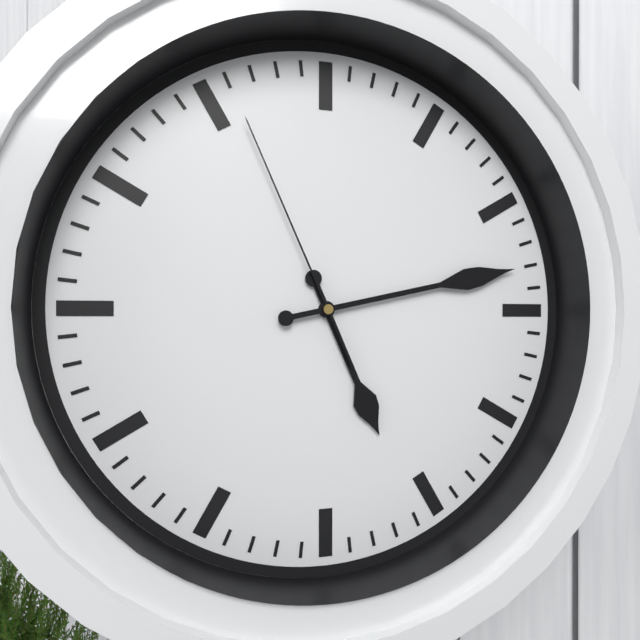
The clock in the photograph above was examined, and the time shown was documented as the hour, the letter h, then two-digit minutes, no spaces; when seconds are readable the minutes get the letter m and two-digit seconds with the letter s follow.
5h13m56s
